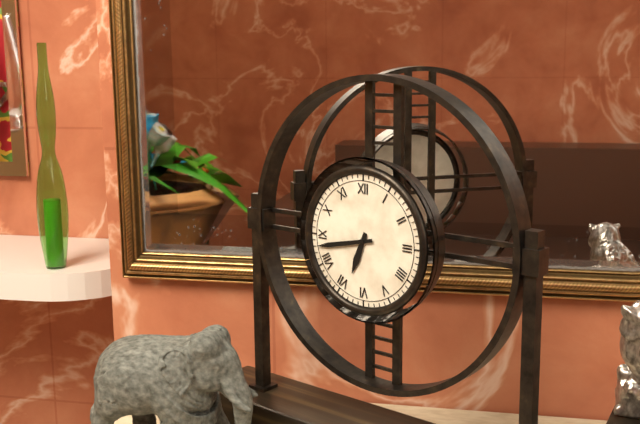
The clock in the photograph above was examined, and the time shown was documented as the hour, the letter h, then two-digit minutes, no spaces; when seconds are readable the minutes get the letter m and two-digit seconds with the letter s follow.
6h43
